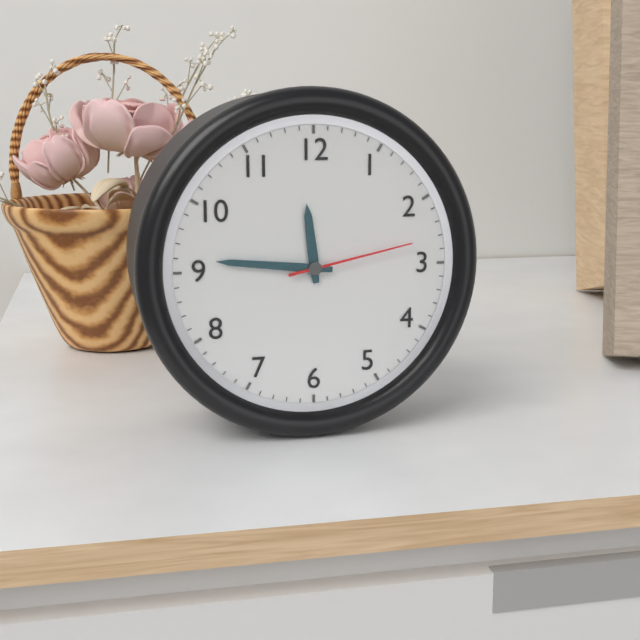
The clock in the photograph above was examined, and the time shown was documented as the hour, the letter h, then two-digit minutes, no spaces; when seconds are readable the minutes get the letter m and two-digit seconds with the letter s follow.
11h46m13s
